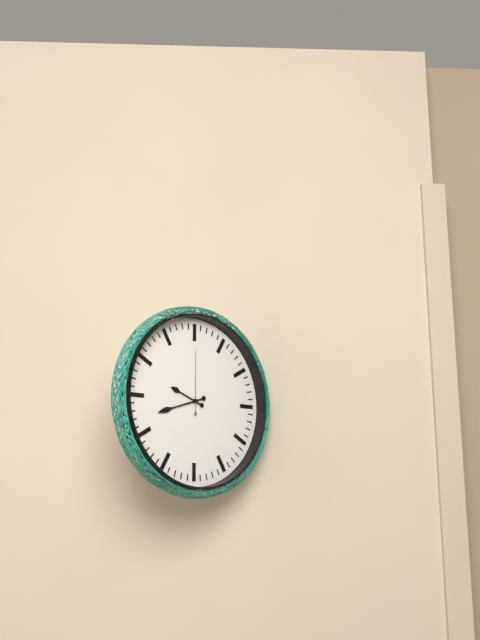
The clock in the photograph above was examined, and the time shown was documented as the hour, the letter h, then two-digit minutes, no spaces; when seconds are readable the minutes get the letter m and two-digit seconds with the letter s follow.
9h42m00s
